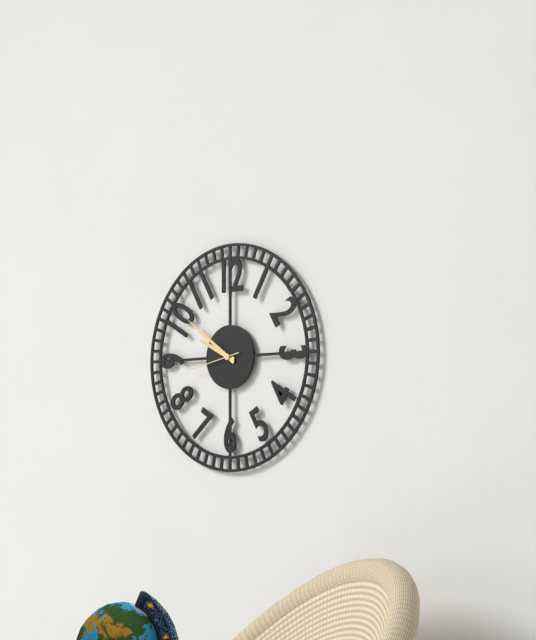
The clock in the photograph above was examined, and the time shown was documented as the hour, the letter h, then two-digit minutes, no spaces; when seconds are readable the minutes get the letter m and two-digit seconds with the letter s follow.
9h51m43s
